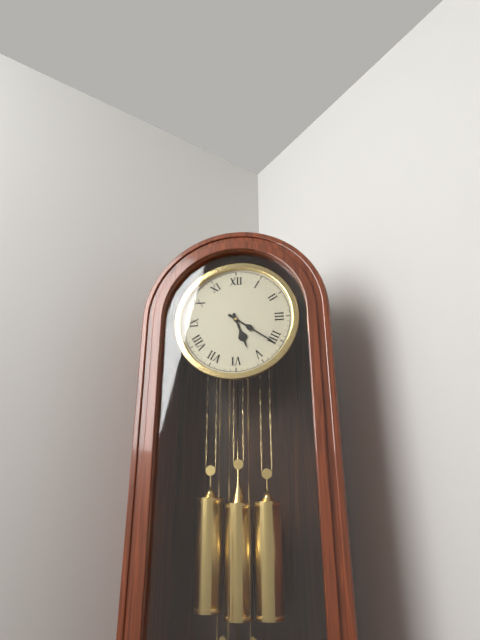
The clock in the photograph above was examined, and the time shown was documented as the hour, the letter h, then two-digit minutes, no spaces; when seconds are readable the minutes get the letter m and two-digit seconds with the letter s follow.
5h21
